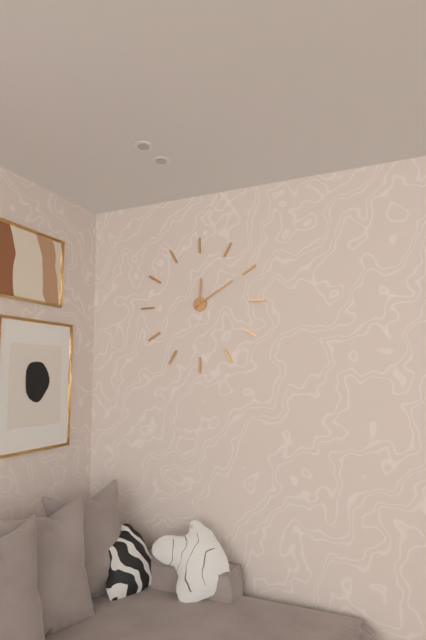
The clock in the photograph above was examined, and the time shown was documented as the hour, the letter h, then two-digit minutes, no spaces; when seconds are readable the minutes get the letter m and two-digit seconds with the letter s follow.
12h10
